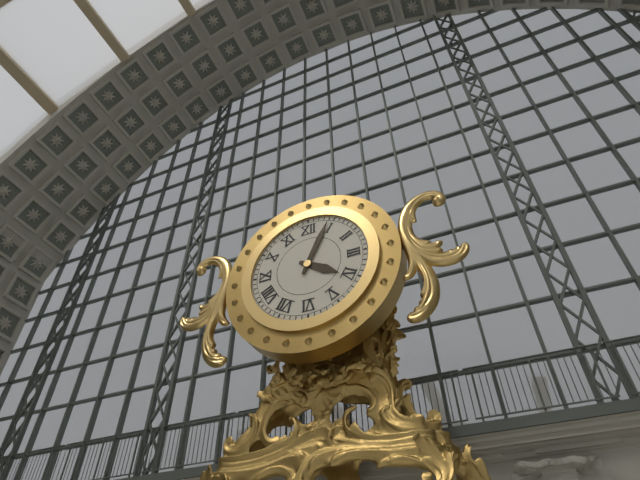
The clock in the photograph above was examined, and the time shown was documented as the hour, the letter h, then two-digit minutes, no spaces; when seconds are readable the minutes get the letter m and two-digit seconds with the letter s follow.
4h04
